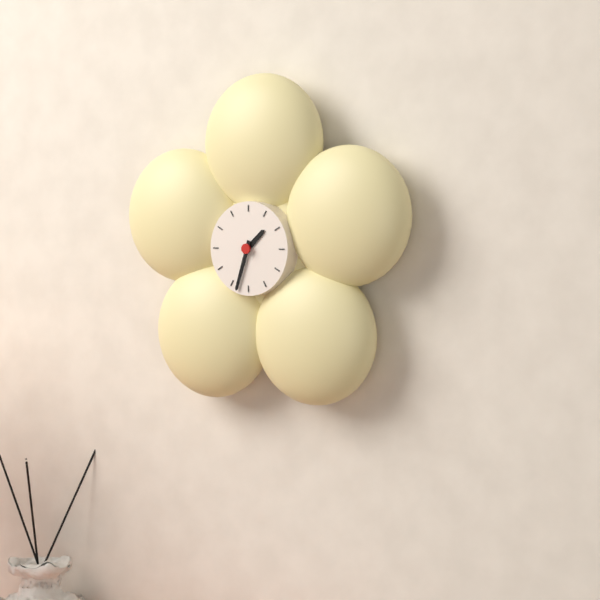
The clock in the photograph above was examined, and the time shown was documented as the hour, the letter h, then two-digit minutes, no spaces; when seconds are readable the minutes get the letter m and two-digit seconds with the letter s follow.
1h33
